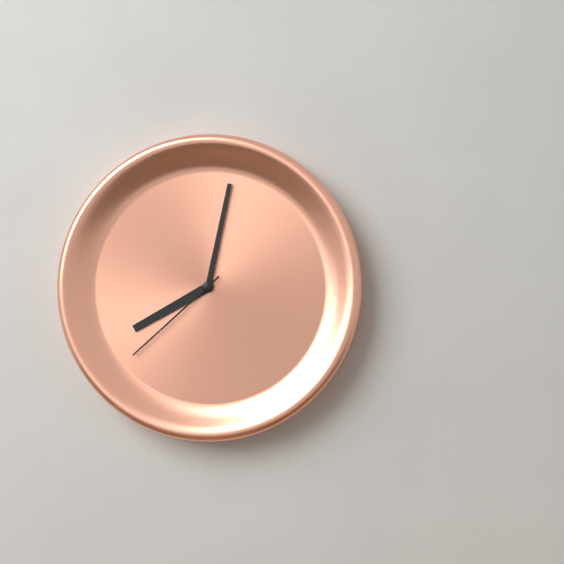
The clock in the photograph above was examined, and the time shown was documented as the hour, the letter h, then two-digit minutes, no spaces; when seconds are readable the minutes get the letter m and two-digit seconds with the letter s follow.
8h02m38s
